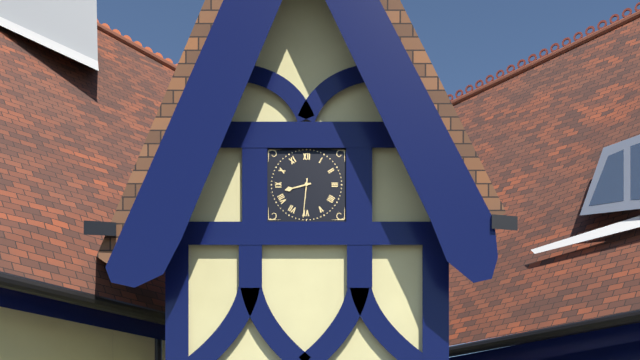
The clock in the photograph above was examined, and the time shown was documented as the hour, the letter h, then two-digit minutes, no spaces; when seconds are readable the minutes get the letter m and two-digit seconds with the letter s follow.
8h31
